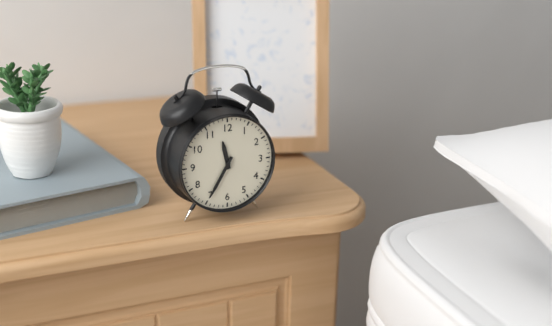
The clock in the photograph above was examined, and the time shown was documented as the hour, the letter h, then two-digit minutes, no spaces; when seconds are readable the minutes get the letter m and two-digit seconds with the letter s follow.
11h35
